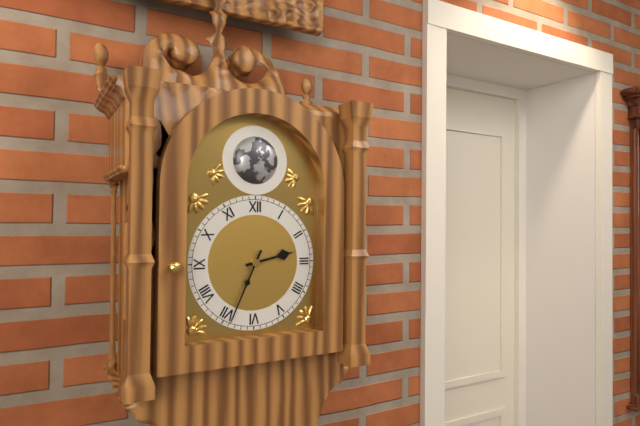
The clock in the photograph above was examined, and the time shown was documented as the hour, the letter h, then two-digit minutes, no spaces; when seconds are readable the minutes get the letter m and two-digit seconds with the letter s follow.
2h34
